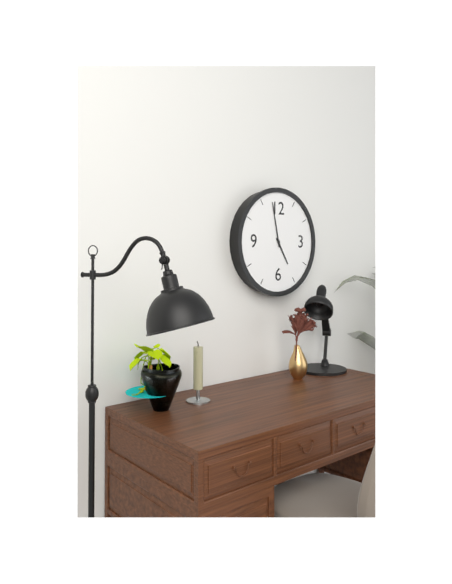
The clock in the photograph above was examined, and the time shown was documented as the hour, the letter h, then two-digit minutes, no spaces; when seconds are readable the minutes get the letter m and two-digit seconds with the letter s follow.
4h58
